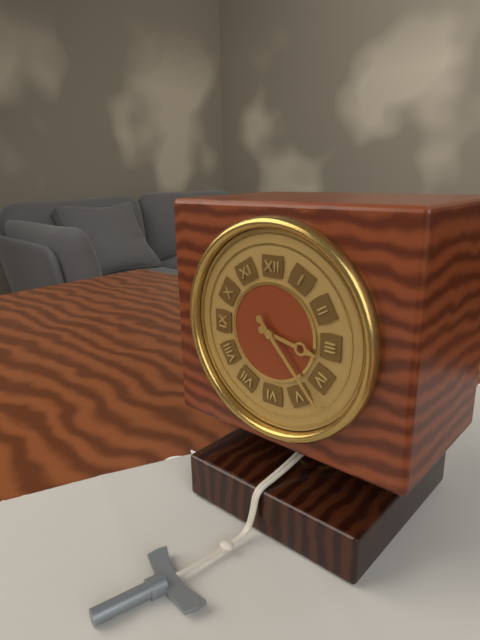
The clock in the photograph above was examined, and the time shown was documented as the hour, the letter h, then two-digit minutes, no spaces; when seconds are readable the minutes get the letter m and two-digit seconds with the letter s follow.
3h23
